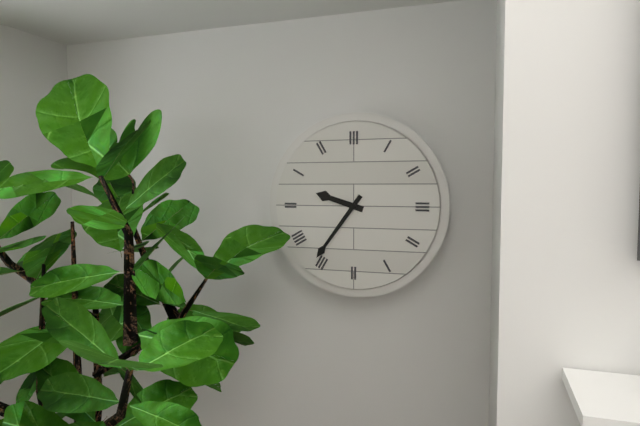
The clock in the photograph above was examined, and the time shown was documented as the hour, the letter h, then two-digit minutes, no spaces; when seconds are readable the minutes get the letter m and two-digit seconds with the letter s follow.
9h36
